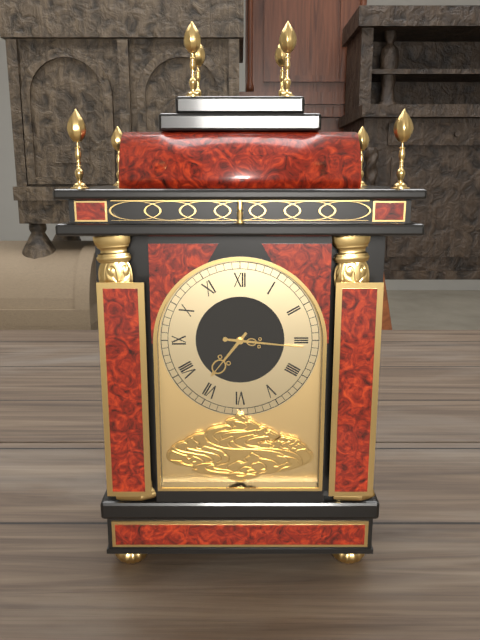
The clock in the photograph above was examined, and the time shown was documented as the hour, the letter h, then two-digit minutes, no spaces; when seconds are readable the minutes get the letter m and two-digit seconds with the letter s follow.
7h16
